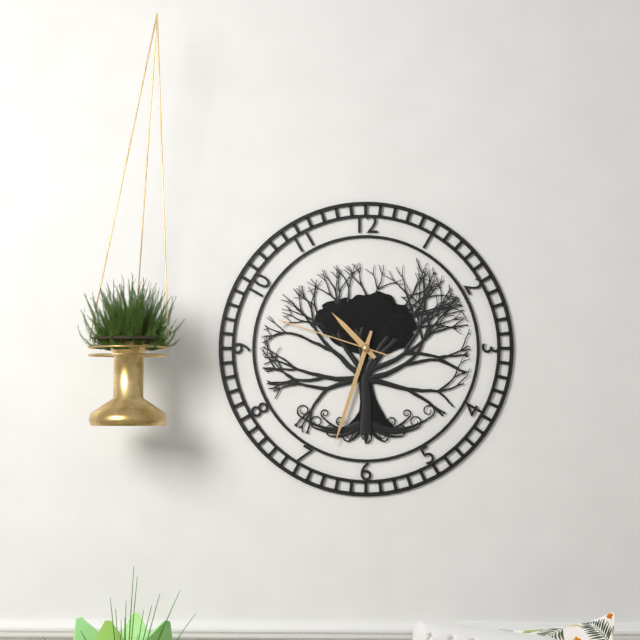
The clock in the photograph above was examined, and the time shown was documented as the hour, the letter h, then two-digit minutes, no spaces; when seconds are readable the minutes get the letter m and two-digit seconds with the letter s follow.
10h33m48s
